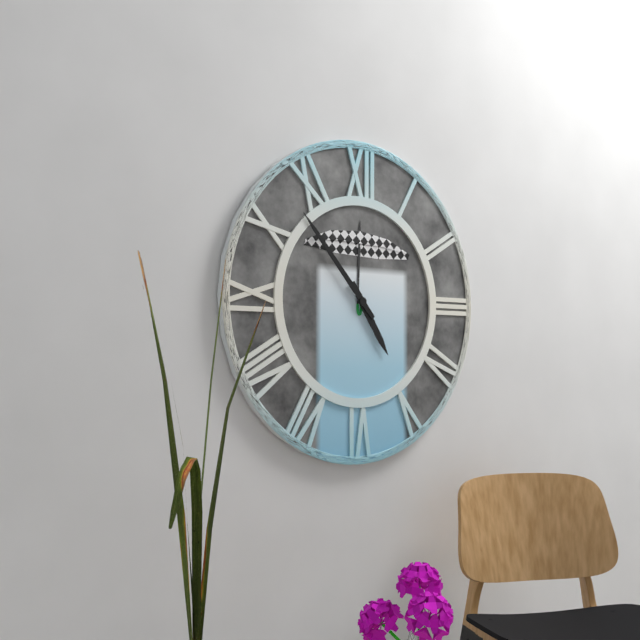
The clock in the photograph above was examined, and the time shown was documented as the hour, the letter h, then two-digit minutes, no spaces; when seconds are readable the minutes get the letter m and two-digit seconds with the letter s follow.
4h53
